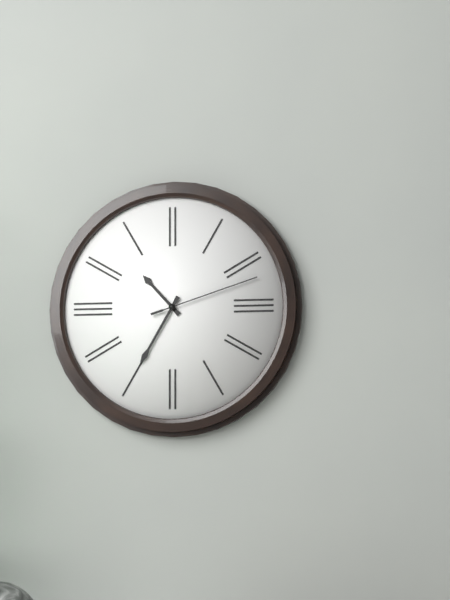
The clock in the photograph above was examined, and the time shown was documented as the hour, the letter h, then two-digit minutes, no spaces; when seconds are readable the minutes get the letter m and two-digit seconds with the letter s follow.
10h35m12s
